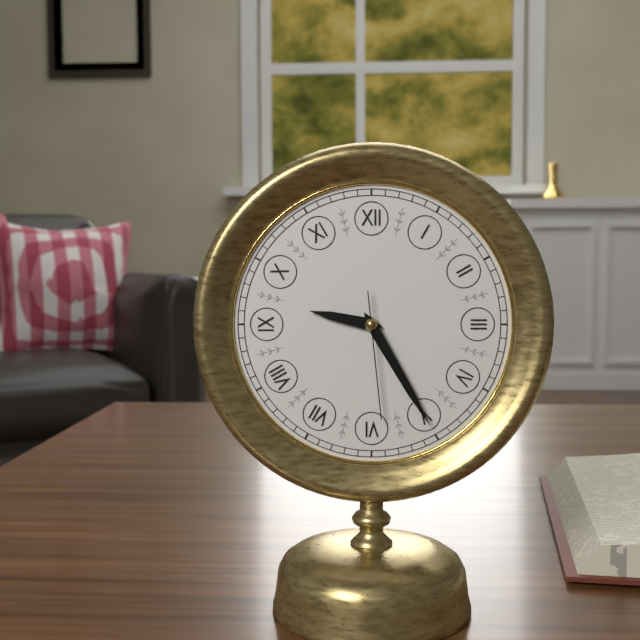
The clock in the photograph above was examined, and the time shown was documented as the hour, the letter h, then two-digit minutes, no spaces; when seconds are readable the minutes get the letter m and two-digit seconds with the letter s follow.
9h25m29s
